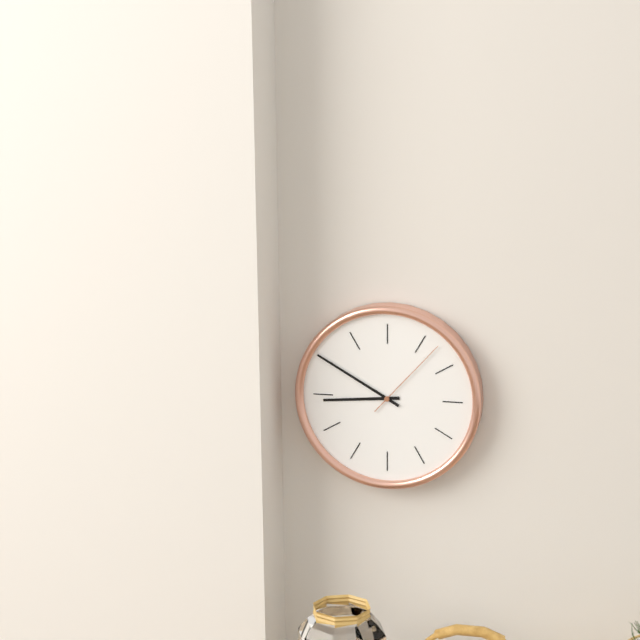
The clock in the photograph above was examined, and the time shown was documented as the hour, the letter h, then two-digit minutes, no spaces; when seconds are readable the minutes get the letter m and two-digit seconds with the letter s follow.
8h50m07s
